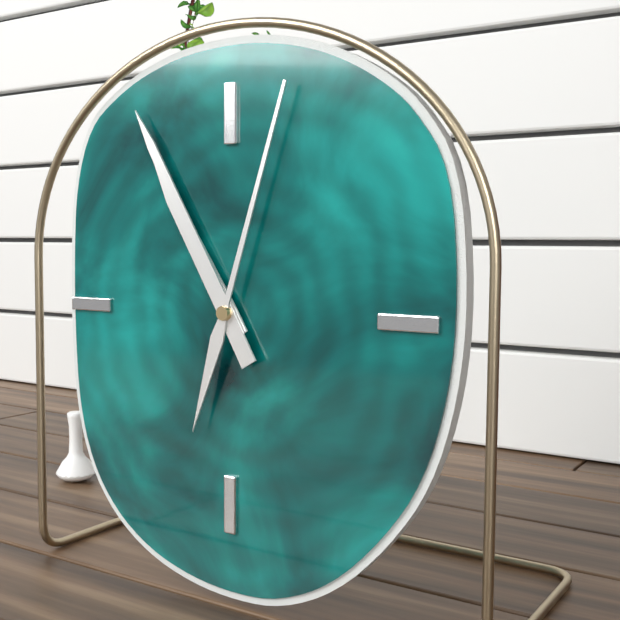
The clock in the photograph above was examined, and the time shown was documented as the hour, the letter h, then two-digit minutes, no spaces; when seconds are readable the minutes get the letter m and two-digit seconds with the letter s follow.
10h55m03s
